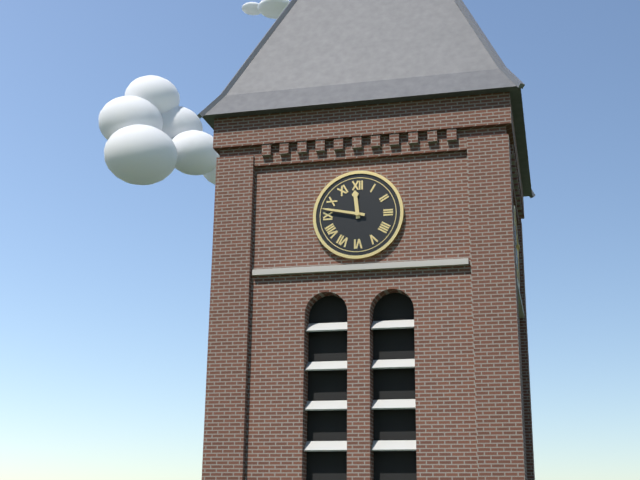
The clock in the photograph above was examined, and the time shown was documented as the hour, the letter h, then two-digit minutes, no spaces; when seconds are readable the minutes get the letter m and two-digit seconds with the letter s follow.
11h47
